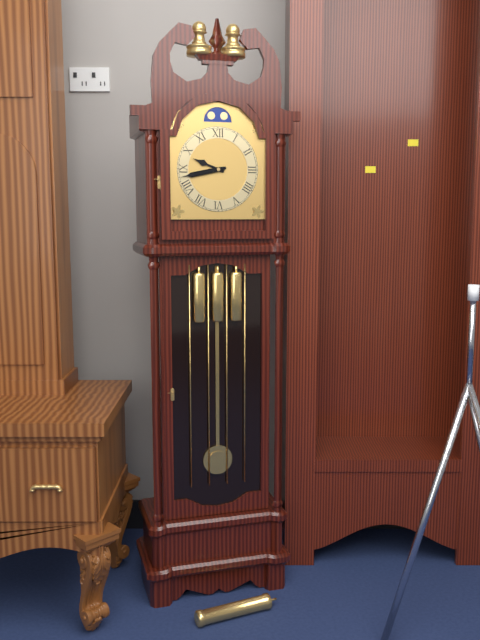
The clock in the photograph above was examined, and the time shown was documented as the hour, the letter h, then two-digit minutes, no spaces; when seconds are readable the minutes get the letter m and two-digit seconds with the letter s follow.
9h43
